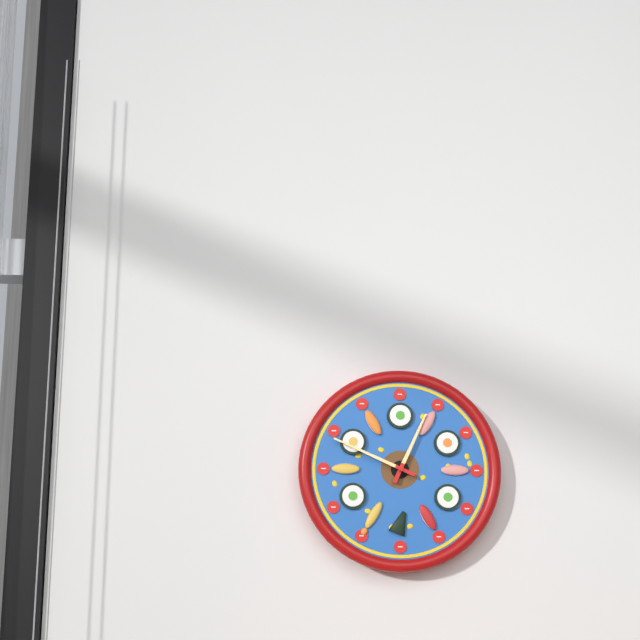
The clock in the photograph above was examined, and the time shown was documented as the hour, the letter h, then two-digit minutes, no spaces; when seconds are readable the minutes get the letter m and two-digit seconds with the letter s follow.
12h49
